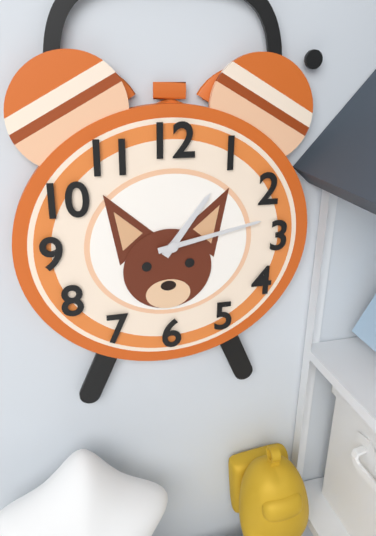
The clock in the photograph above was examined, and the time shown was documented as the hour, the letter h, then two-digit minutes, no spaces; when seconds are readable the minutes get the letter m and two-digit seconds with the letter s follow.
1h13
